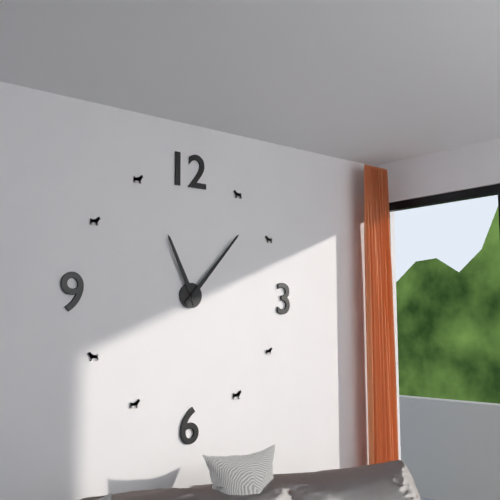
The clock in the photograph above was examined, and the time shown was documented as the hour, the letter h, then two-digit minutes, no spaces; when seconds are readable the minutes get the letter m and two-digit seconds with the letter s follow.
11h07
